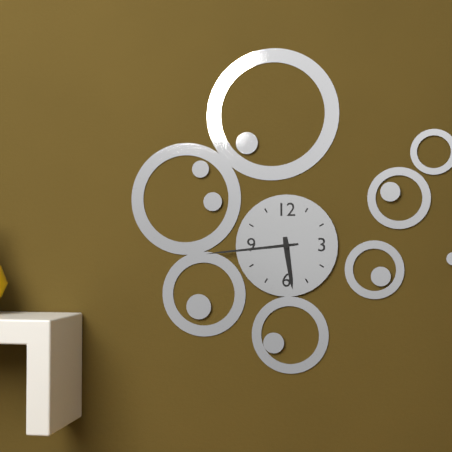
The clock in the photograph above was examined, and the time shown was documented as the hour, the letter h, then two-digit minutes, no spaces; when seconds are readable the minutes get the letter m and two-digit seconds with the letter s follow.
5h44
